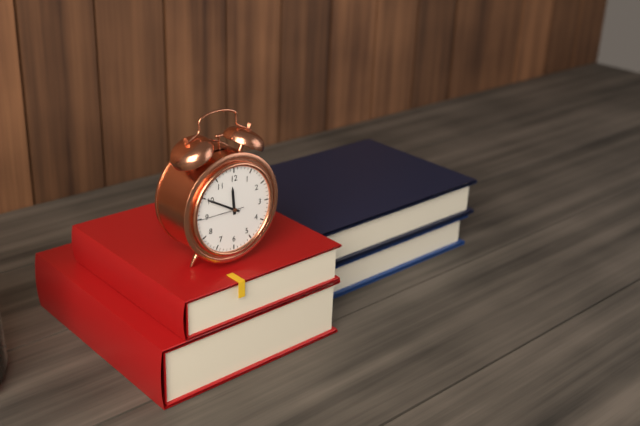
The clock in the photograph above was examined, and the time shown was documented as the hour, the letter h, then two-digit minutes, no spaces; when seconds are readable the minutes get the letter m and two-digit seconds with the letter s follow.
11h50
